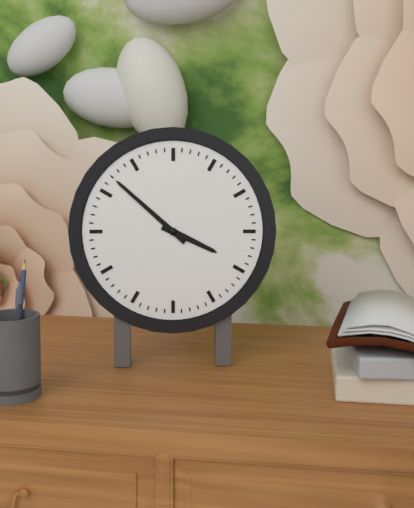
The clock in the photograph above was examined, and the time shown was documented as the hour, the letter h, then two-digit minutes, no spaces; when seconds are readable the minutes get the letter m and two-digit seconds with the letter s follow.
3h52
